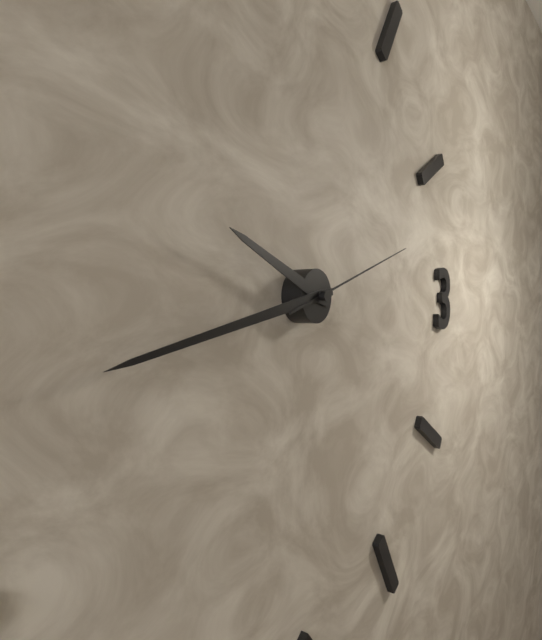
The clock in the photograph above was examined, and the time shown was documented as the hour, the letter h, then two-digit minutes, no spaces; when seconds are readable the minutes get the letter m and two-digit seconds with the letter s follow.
9h43m12s
